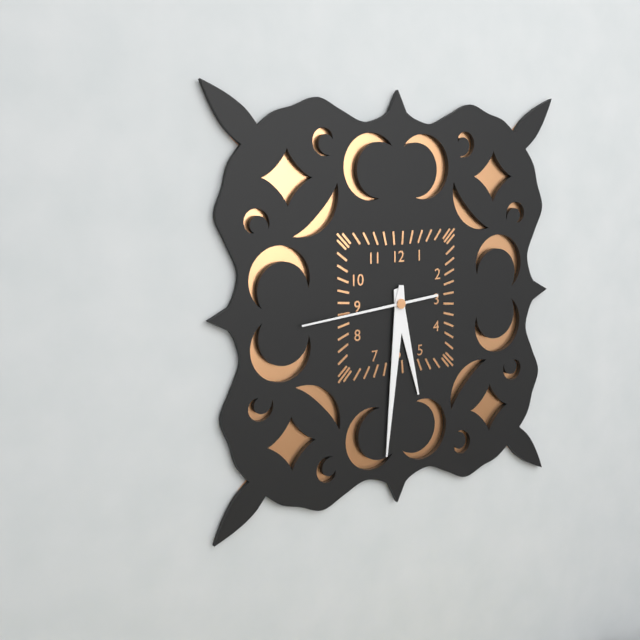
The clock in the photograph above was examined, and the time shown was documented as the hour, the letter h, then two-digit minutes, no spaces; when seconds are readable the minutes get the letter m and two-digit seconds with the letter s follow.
5h31m44s
